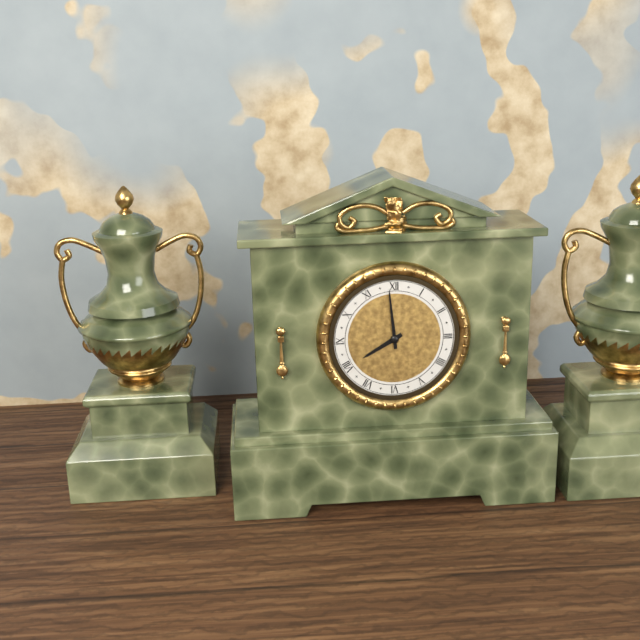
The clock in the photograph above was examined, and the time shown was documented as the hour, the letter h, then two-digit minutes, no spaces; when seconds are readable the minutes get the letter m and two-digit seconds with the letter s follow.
7h59
